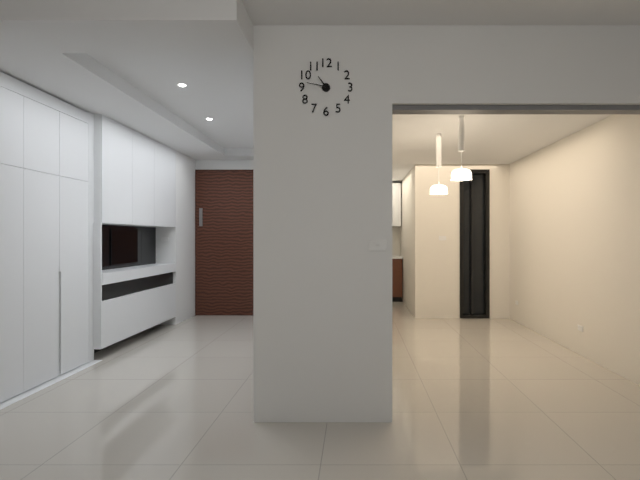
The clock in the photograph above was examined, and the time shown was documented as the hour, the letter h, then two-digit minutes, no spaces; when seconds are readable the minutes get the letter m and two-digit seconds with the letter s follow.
10h47
